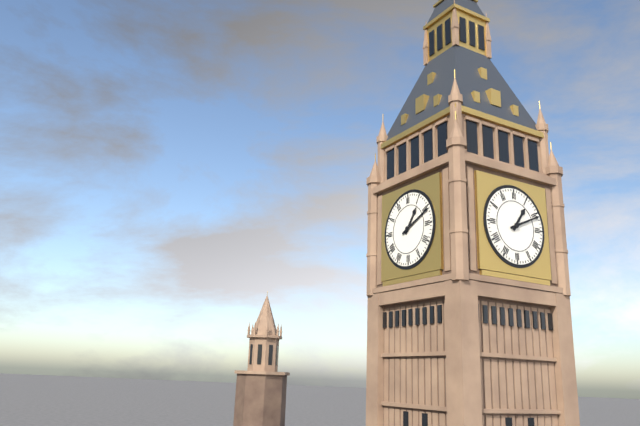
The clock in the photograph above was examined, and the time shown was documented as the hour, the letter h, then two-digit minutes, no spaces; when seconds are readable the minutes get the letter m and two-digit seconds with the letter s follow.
1h11
